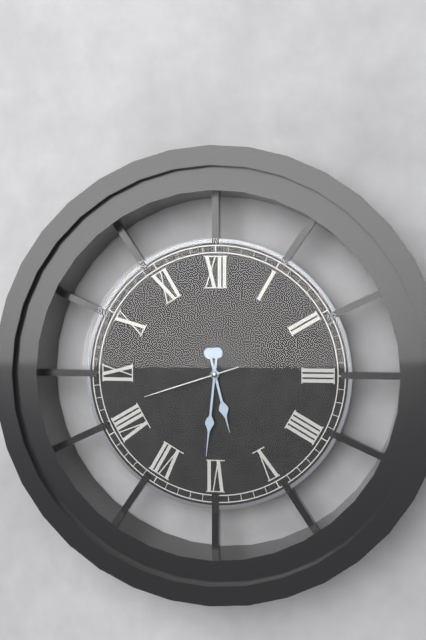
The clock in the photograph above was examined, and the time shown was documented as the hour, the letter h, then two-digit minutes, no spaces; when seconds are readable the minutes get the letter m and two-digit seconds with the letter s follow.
5h31m42s
